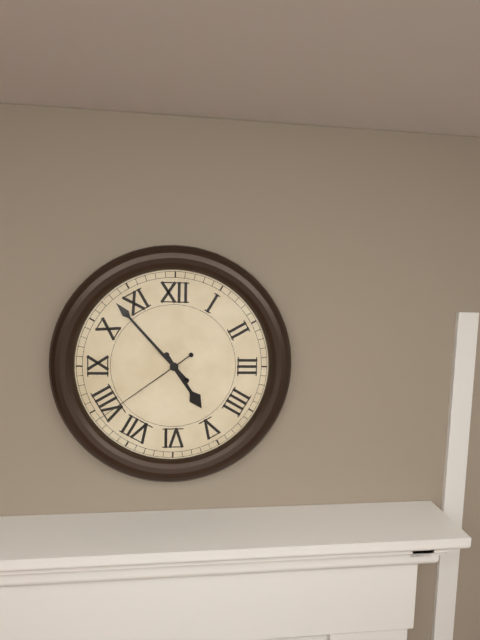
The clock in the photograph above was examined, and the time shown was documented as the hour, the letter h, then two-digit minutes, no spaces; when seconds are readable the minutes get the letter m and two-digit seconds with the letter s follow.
4h53m39s
